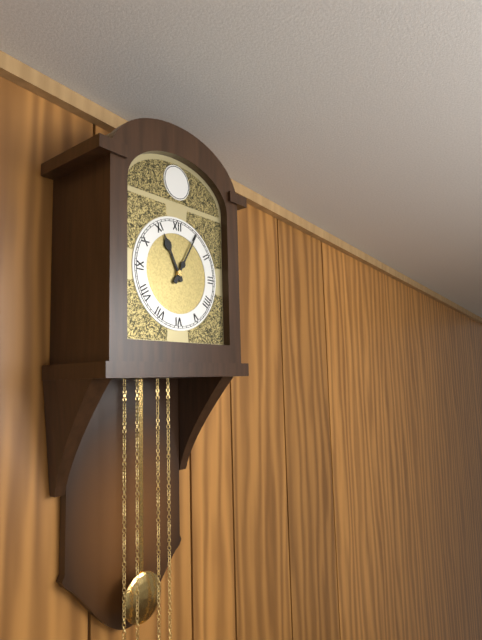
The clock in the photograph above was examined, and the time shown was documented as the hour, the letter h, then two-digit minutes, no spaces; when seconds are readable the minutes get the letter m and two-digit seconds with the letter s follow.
11h05
